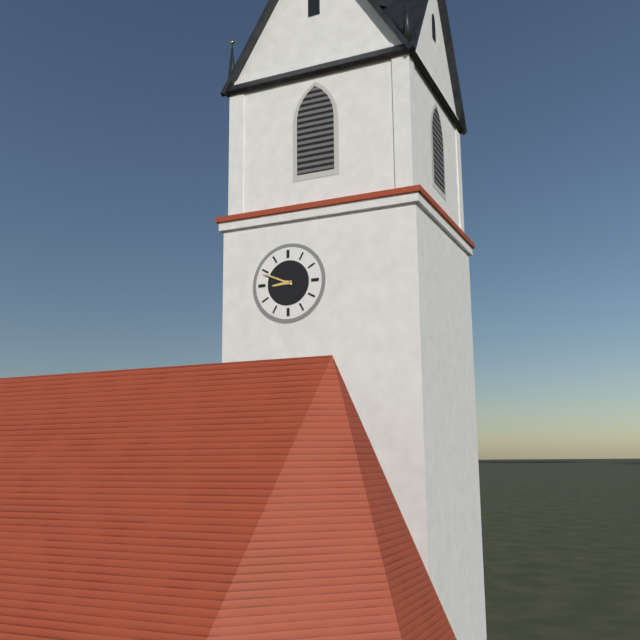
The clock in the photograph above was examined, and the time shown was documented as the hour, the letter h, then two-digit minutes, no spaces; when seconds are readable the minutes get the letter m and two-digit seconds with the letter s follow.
8h49
